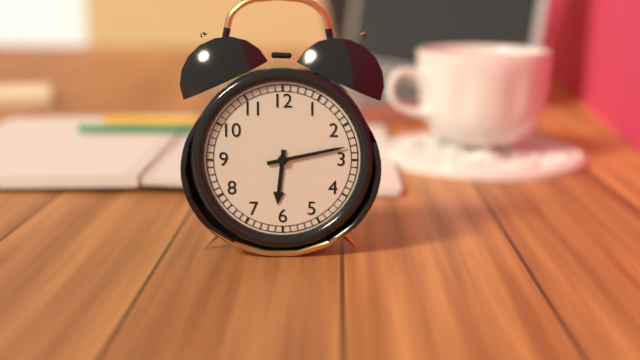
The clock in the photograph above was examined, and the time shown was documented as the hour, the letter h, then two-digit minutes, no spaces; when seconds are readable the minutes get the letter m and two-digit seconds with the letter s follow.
6h13
